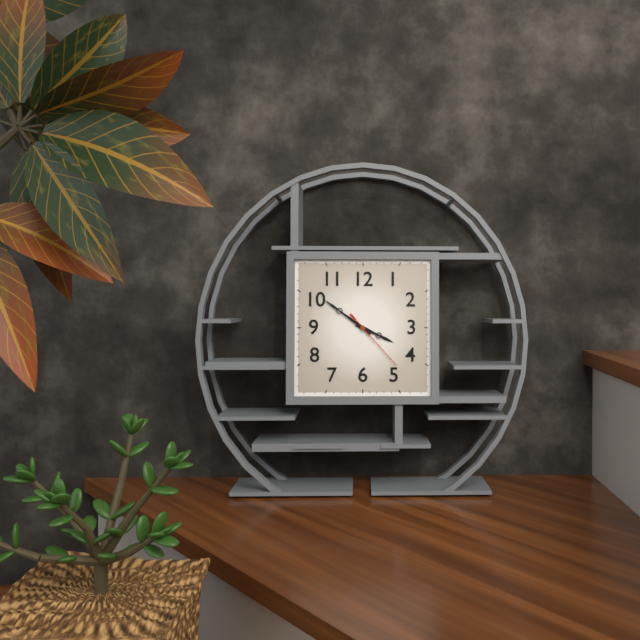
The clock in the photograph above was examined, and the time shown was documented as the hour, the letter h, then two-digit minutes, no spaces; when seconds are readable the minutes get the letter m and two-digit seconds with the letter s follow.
3h51m23s
